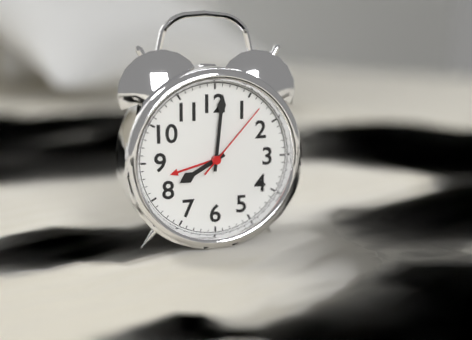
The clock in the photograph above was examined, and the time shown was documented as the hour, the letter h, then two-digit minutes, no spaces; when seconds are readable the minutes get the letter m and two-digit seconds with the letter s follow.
8h01m07s
